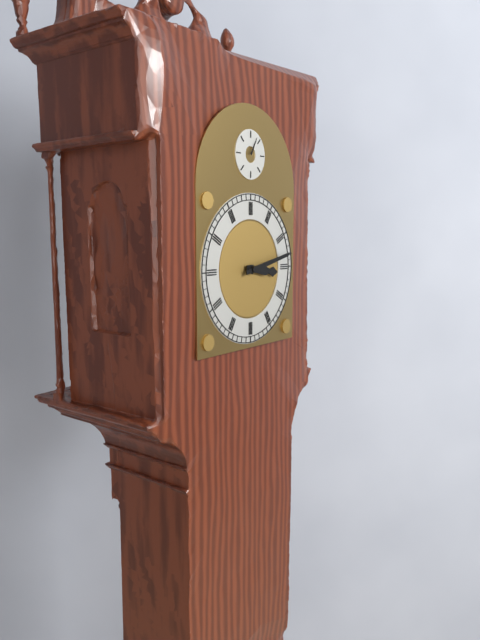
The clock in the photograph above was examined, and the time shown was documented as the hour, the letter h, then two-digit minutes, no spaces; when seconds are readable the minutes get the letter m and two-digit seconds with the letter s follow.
3h13
